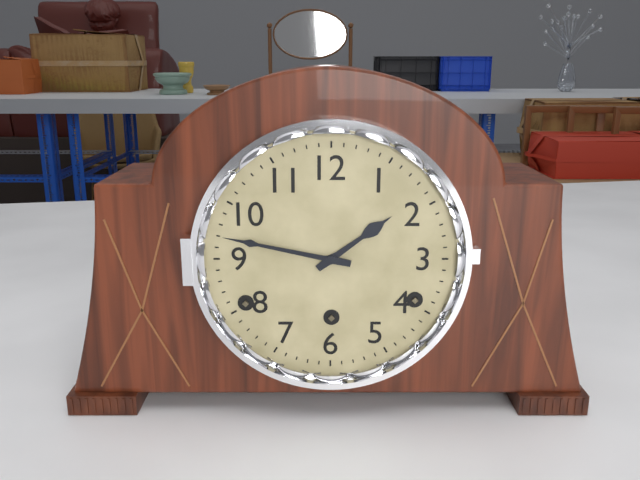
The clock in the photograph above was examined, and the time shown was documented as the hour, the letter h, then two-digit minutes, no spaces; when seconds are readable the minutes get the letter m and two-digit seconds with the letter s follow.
1h47
